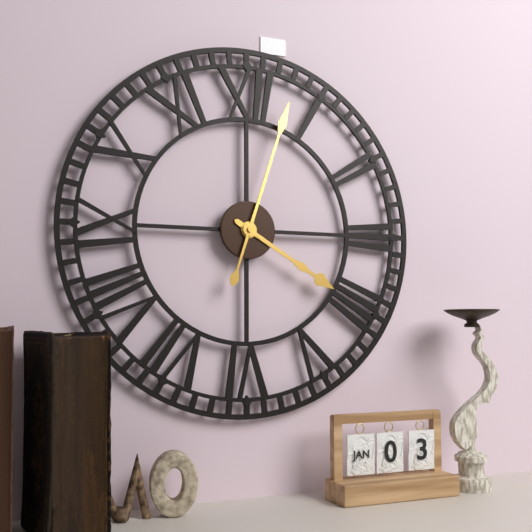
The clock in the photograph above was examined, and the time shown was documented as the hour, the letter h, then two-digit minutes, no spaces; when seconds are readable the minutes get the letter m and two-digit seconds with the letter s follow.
4h03
